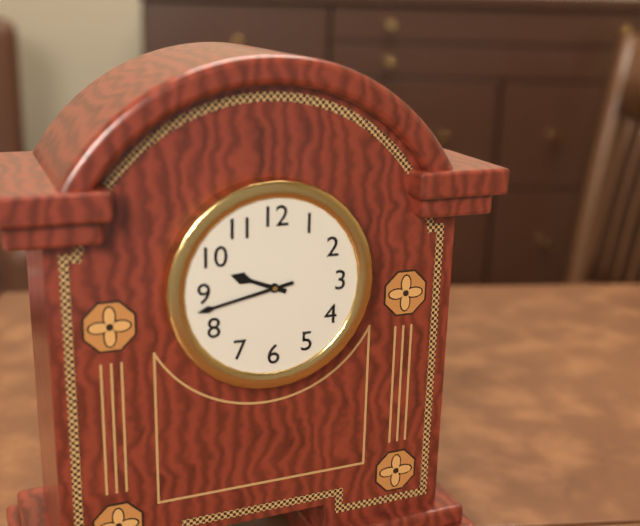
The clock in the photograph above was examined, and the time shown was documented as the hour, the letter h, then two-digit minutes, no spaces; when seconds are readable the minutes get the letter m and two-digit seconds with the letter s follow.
9h43
